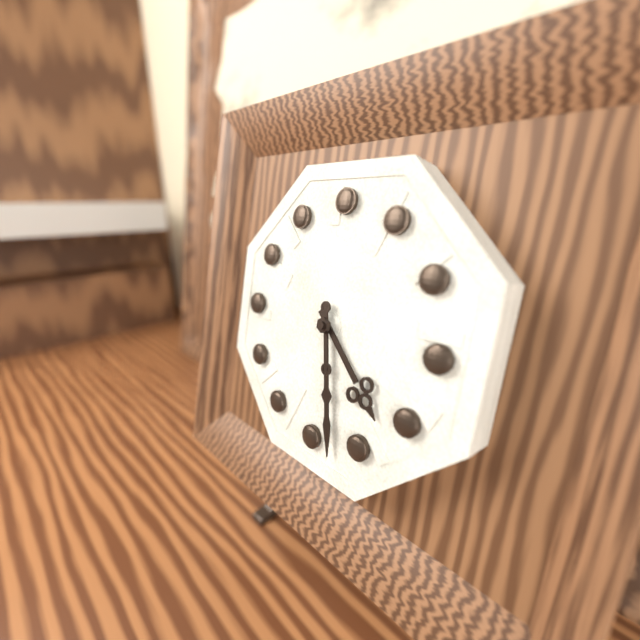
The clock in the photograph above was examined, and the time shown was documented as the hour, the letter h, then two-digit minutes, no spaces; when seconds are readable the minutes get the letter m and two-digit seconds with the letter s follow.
4h28
